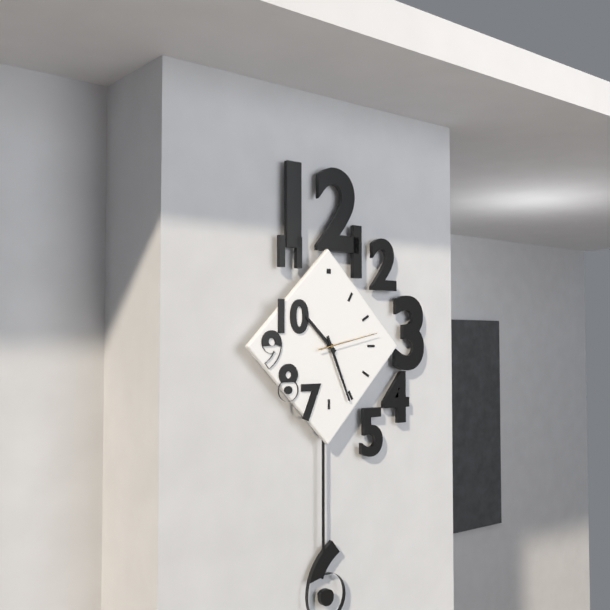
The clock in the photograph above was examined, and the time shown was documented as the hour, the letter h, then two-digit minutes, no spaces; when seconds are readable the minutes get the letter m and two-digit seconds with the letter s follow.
10h26m13s
